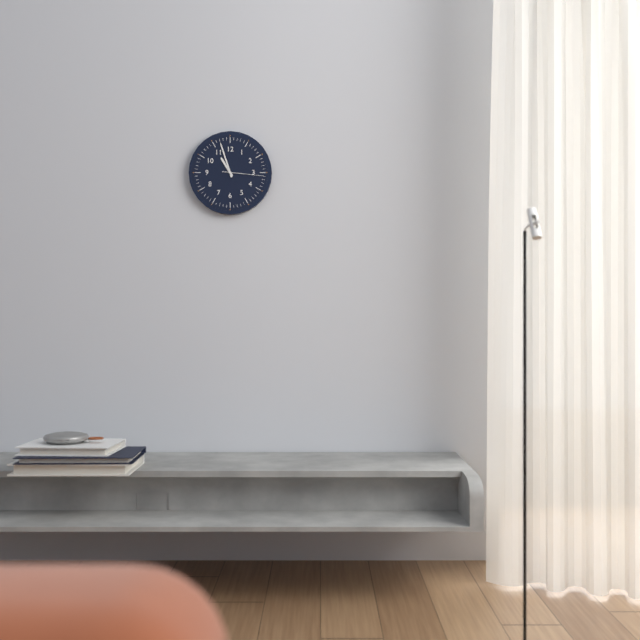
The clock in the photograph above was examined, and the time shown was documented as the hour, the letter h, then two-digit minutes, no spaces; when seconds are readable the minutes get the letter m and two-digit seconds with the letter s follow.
10h57
